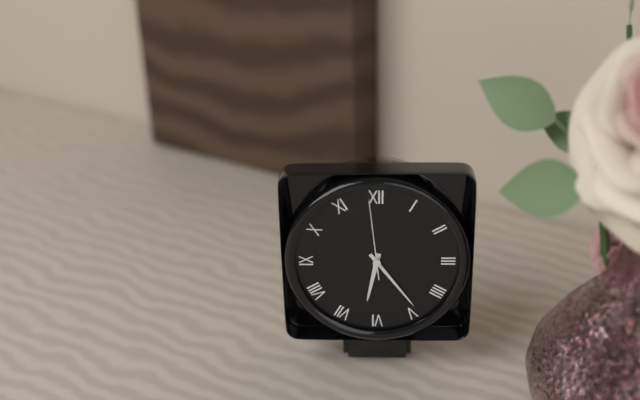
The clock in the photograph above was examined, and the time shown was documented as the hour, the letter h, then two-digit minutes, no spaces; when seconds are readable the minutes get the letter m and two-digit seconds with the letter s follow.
6h24m59s
